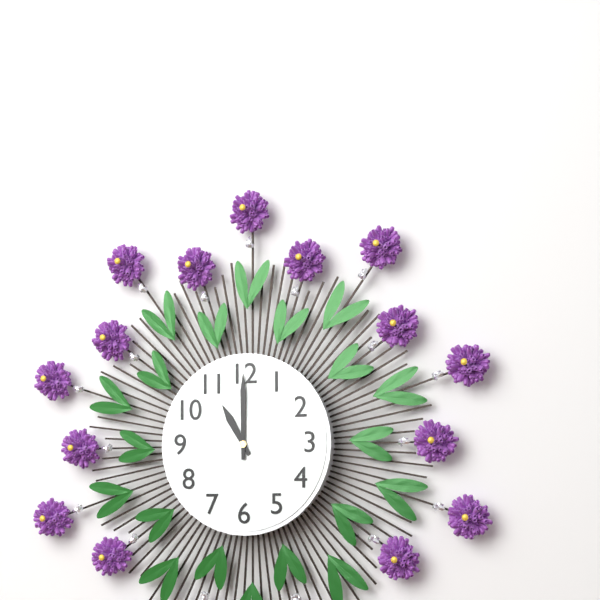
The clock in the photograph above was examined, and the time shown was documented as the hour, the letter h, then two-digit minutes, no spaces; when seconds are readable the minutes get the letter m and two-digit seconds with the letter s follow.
11h00
